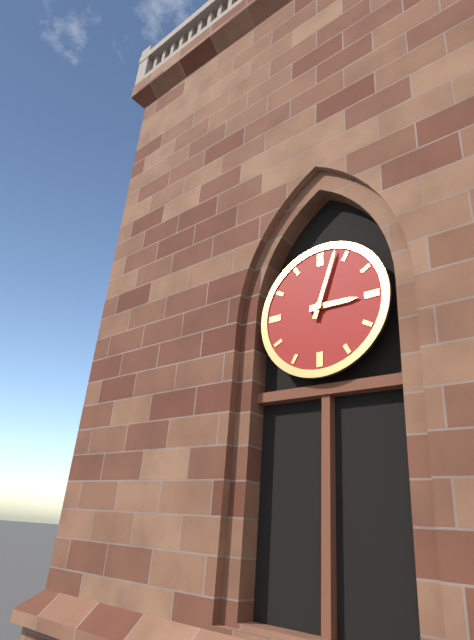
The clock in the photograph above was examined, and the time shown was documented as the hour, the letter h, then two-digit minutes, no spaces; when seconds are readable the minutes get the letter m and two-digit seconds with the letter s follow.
3h03
